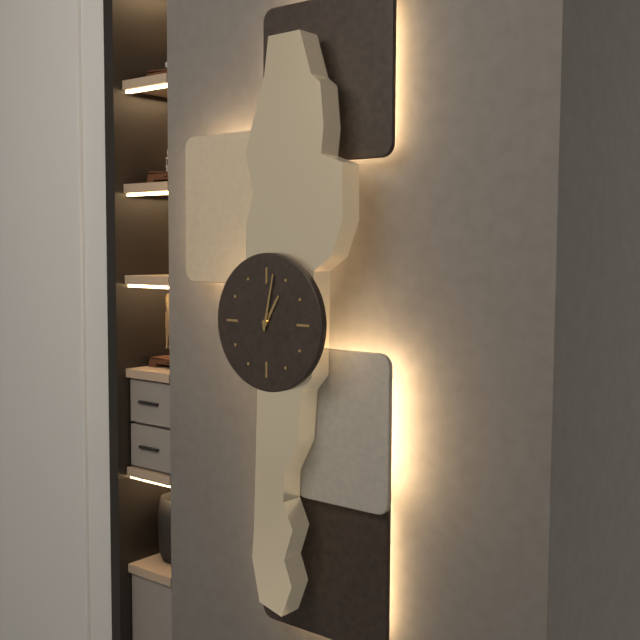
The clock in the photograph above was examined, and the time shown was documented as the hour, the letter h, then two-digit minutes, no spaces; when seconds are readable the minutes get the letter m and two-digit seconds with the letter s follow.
1h02
